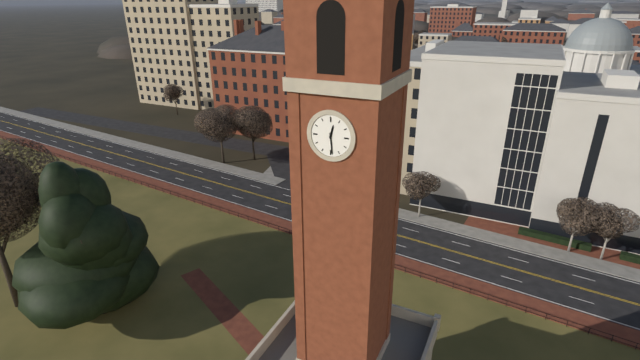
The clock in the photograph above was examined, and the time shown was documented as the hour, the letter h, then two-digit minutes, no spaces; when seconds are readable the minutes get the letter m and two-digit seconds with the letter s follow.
12h29
